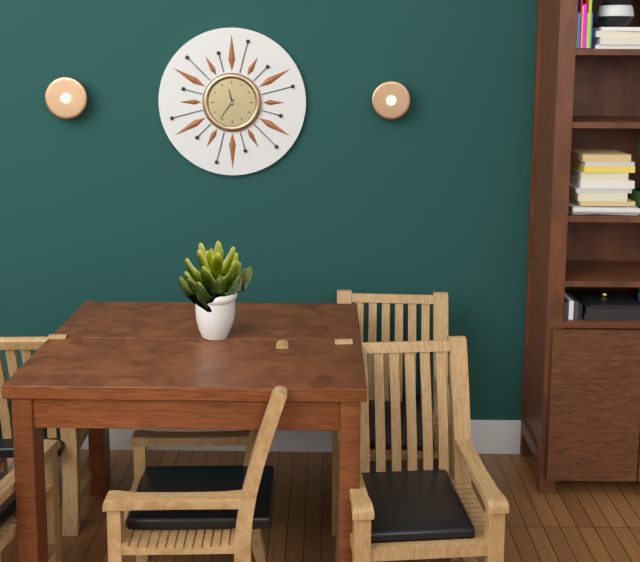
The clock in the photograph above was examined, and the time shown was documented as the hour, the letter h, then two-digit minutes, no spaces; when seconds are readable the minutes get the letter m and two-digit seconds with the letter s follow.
11h36
